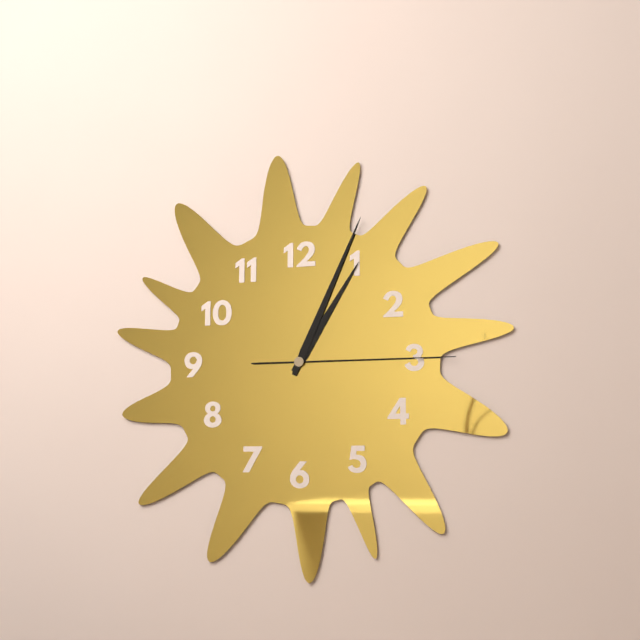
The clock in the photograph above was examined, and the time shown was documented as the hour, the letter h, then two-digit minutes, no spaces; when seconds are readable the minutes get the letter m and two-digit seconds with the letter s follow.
1h04m15s
